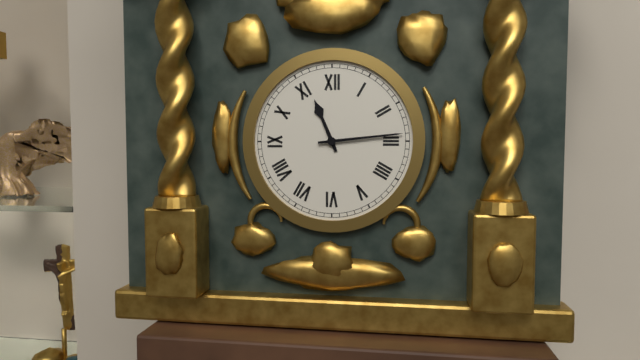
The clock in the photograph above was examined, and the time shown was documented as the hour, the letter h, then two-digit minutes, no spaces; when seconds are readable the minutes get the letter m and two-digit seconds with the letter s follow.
11h14
